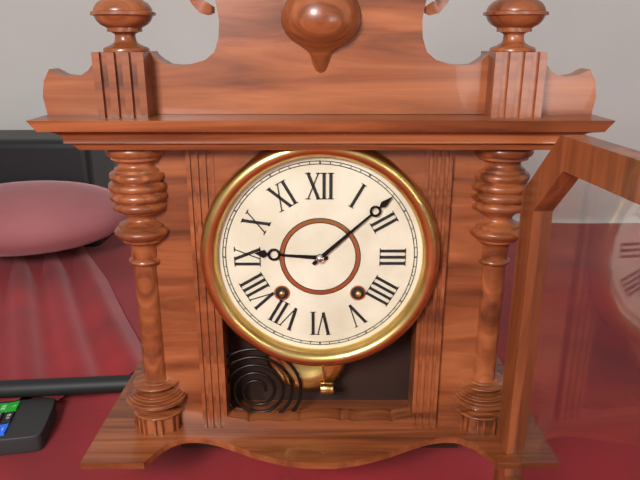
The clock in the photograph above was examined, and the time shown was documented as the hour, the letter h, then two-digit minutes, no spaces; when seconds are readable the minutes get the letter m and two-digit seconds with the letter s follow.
9h08
